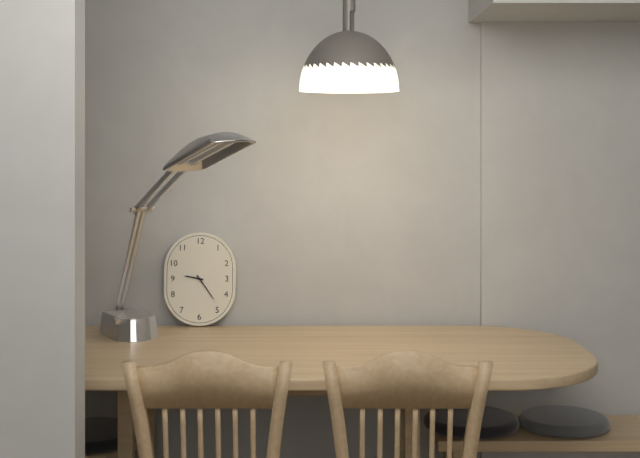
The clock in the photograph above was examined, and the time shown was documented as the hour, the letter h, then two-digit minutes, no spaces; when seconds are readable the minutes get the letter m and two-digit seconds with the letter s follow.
9h24
